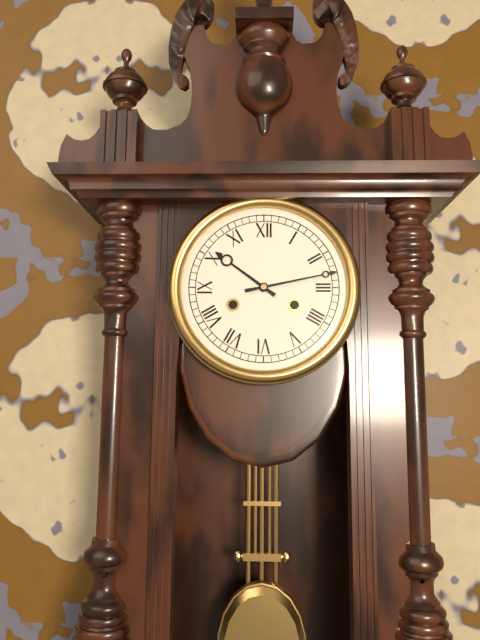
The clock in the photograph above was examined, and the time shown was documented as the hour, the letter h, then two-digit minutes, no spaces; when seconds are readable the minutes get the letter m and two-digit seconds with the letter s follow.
10h13
